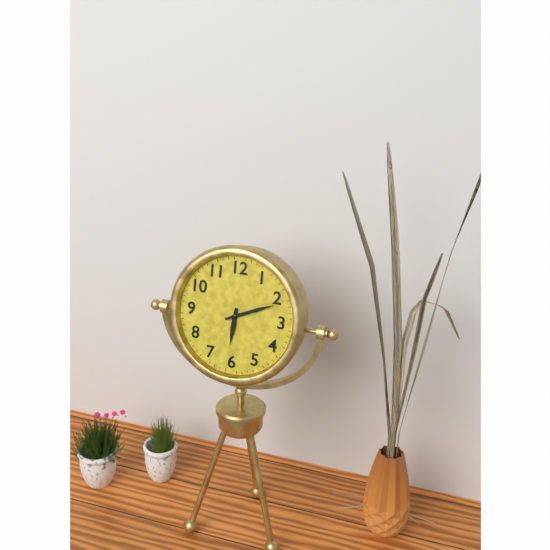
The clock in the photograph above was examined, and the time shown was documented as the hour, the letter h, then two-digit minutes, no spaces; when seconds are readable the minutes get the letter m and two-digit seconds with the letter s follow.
6h11
